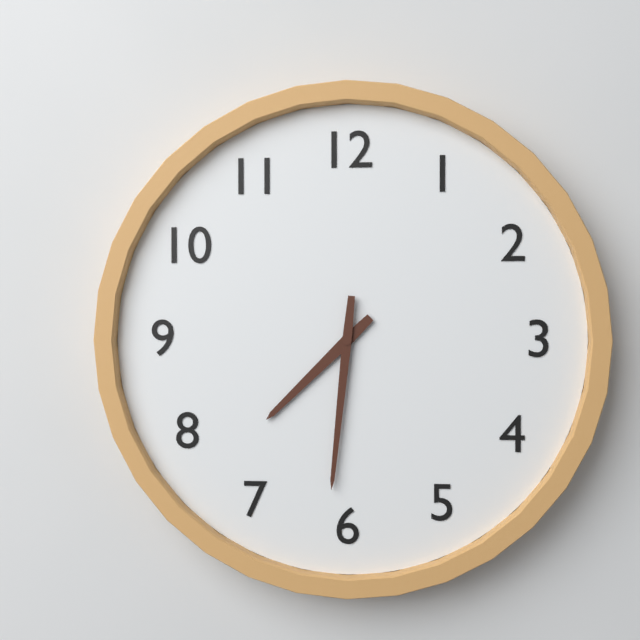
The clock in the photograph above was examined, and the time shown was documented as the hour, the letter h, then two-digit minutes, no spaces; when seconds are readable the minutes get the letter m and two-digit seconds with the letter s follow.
7h31
